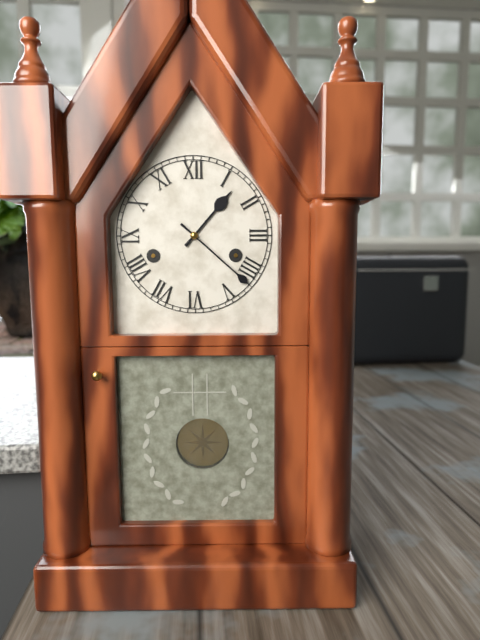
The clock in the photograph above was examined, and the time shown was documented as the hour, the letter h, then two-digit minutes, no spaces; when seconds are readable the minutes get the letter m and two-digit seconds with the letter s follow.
1h22
